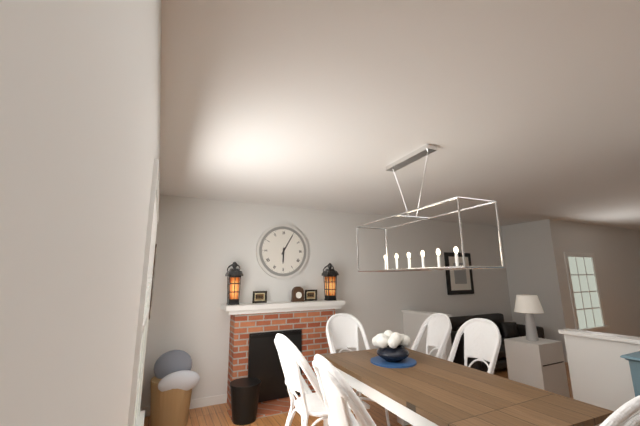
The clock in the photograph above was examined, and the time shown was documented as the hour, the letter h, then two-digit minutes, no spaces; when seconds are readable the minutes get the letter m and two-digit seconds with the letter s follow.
6h05
